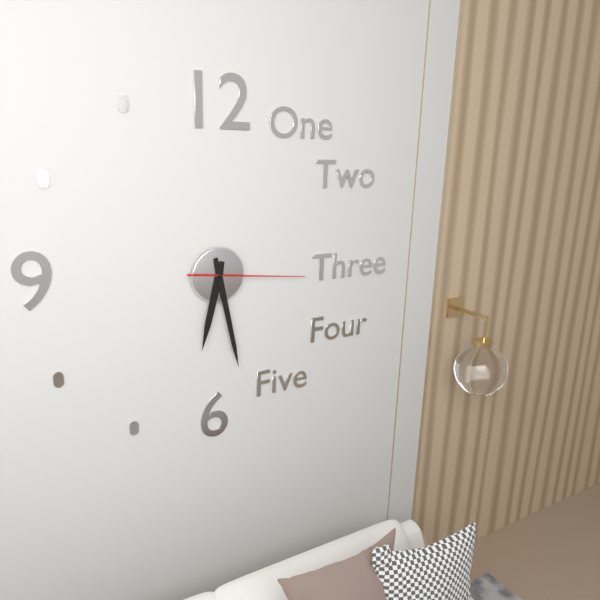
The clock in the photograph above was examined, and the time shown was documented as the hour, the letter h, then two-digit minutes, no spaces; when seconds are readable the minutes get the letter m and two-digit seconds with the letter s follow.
6h28m16s
